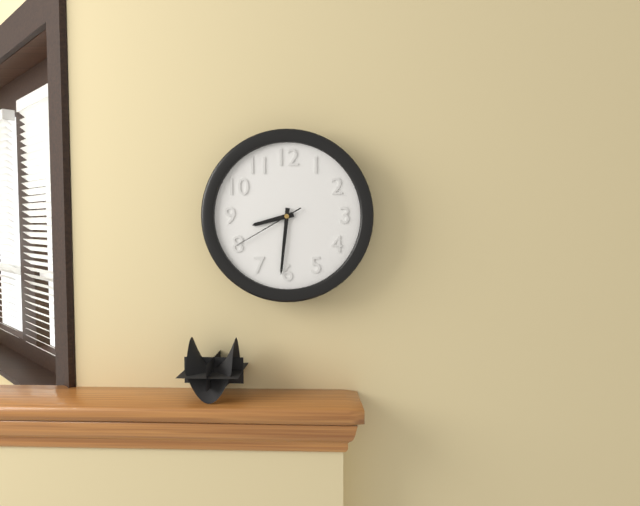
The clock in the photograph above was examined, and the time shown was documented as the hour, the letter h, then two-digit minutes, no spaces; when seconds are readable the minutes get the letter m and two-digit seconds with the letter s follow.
8h31m40s
